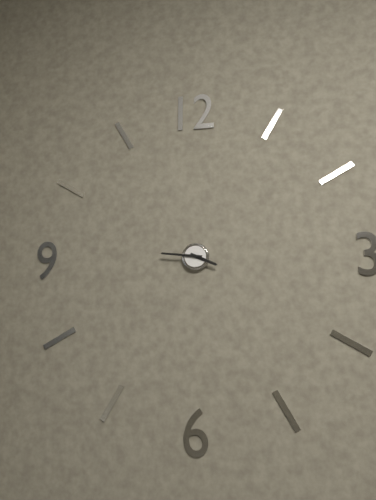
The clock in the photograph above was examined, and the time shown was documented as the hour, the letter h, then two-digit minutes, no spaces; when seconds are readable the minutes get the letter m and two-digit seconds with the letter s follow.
3h46
